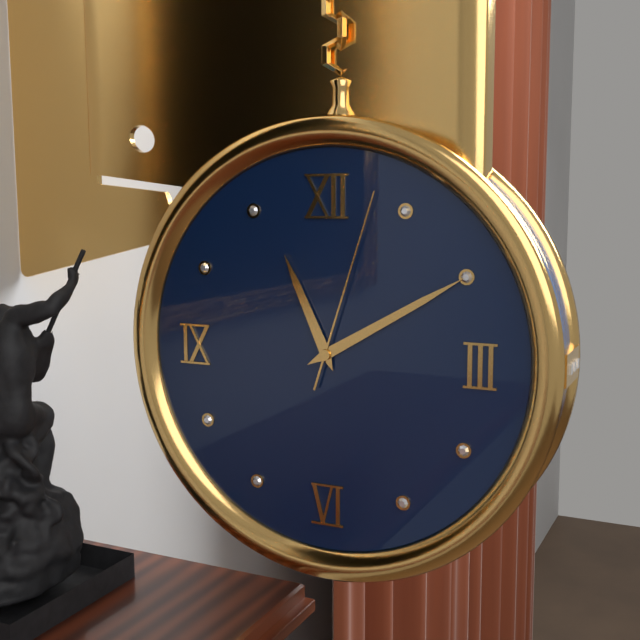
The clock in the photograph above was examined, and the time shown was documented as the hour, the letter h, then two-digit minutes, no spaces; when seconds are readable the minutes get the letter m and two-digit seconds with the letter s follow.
11h10m03s
